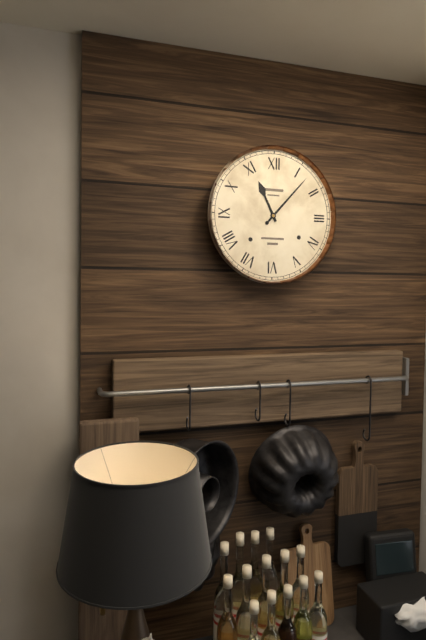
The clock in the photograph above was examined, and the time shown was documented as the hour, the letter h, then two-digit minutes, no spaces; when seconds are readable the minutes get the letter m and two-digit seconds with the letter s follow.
11h07
